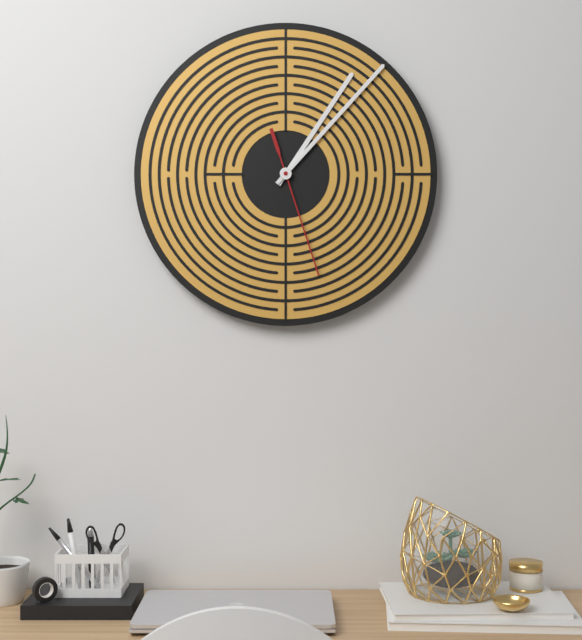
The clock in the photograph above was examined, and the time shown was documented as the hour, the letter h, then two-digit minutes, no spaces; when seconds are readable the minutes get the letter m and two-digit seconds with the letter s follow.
1h07m27s
